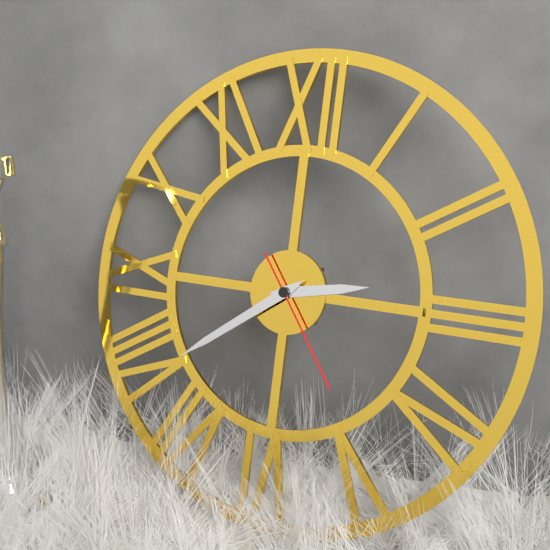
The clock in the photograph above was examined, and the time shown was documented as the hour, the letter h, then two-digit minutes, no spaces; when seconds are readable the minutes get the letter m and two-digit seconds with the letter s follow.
2h39m24s
